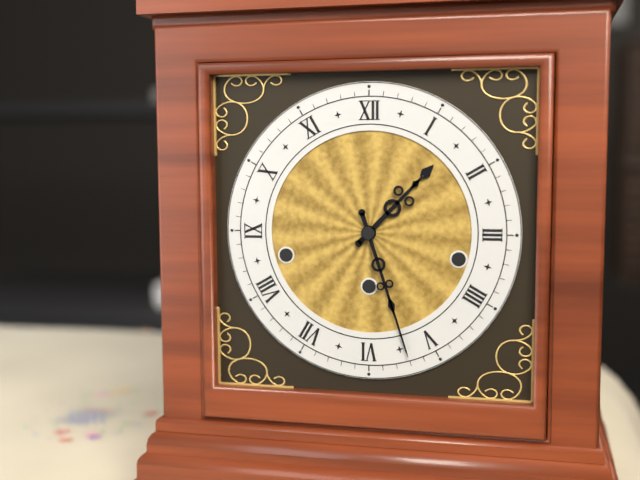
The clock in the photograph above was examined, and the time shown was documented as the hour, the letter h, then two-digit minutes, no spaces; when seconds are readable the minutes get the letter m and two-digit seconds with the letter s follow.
1h27
